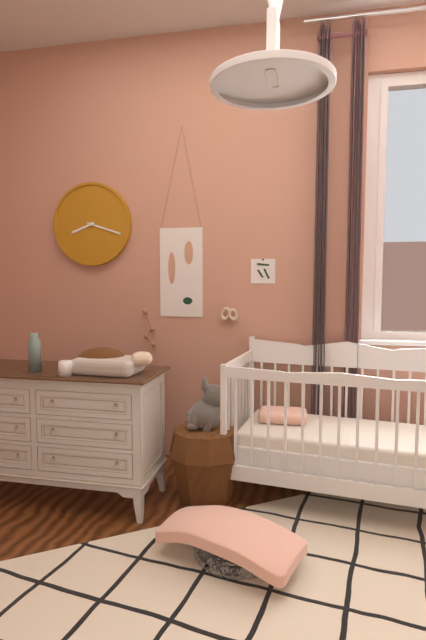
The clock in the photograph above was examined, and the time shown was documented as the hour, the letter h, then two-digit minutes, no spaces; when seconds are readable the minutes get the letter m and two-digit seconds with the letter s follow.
8h18
